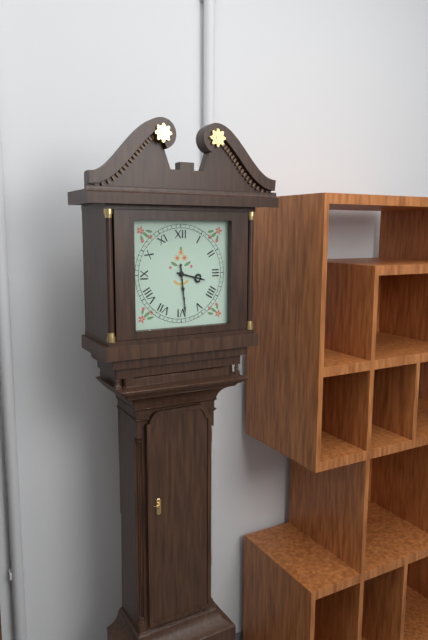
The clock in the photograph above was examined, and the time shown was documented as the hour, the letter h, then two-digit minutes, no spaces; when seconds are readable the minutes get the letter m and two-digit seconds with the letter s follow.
3h29
